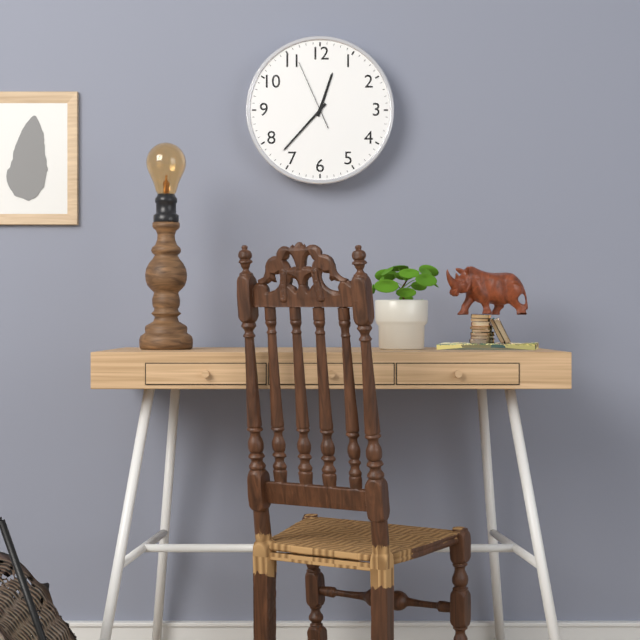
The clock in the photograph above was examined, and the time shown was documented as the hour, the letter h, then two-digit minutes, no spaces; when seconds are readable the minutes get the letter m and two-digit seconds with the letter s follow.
12h37m56s
